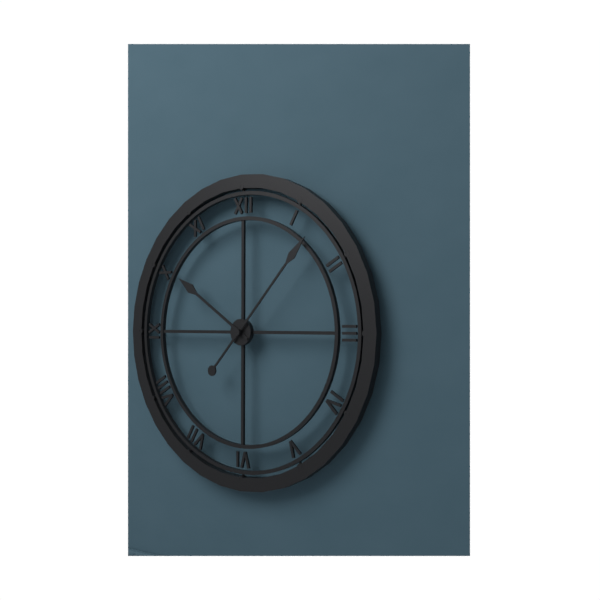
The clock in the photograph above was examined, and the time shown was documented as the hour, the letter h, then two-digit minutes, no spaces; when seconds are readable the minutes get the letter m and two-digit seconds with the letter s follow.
10h07
